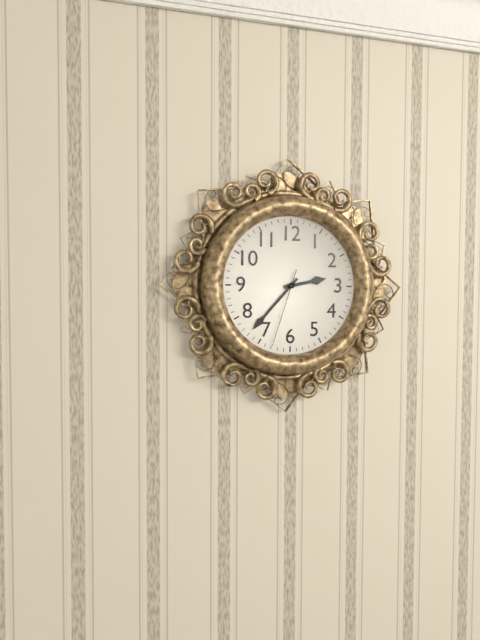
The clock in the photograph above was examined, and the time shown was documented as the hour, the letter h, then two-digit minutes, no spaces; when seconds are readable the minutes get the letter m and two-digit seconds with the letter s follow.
2h37m33s
